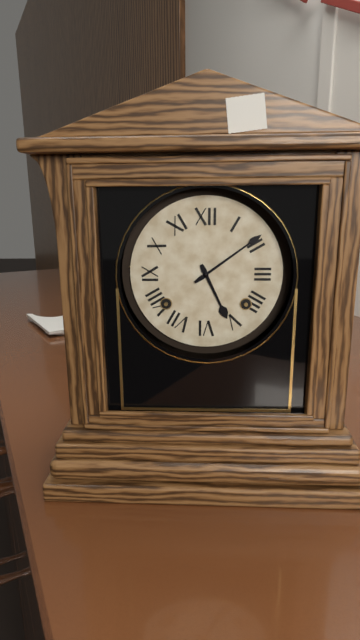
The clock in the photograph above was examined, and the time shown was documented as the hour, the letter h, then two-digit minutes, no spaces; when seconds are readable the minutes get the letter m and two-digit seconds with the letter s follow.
5h09
